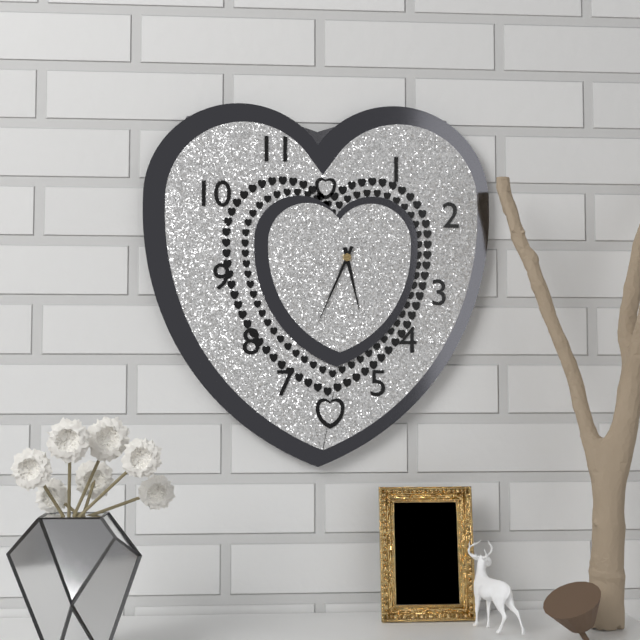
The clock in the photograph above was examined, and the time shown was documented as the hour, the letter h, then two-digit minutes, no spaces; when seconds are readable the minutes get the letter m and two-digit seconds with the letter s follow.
5h34
